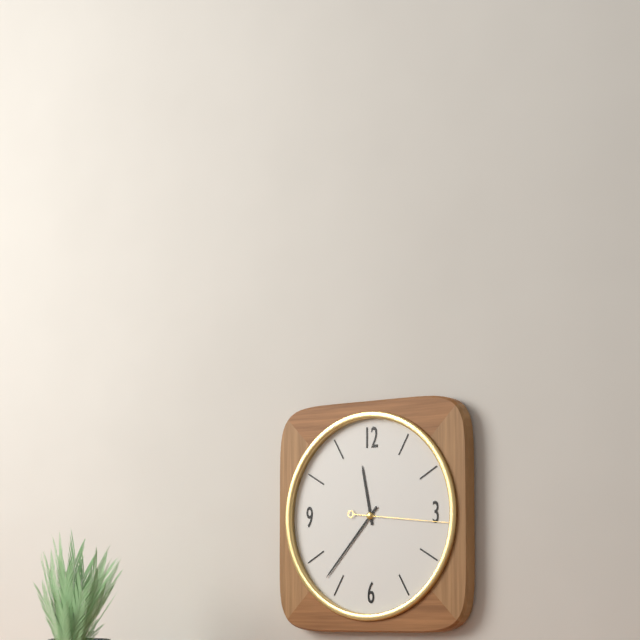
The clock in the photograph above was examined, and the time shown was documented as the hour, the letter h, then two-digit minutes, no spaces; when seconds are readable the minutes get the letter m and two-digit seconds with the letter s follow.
11h37m16s
